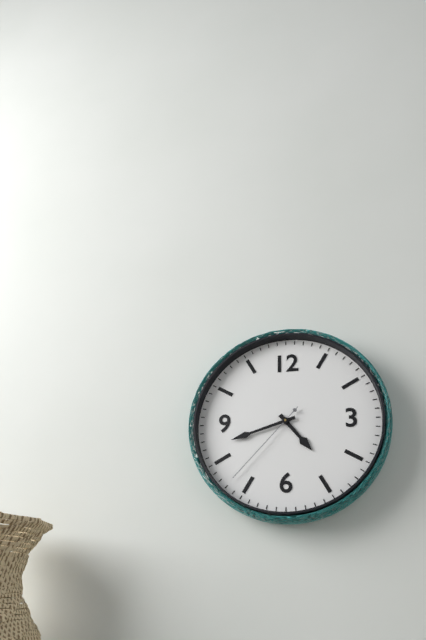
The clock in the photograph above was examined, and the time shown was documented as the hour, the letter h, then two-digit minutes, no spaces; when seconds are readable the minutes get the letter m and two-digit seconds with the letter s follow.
4h42m37s
